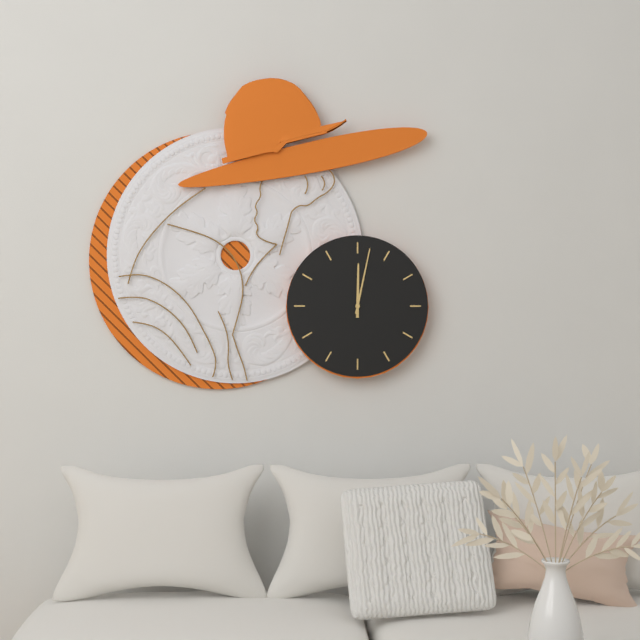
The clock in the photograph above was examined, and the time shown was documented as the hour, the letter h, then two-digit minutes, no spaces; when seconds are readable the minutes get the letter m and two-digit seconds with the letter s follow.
12h02
